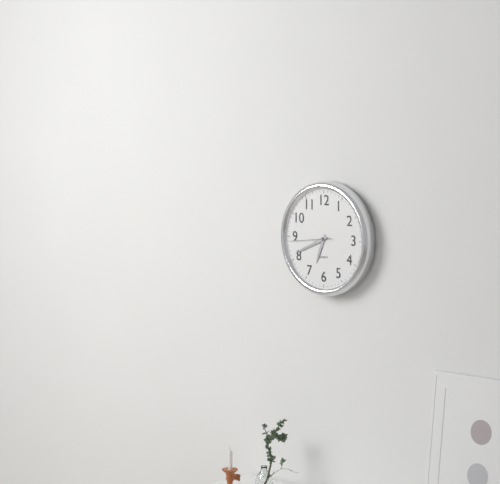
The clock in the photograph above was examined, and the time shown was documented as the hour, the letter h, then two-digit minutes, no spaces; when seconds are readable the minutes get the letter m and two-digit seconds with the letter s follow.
6h41
